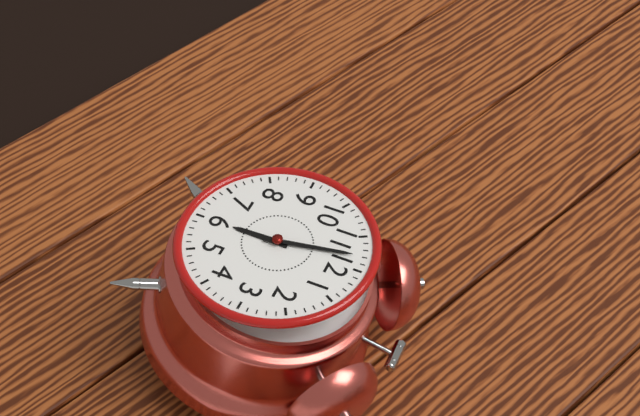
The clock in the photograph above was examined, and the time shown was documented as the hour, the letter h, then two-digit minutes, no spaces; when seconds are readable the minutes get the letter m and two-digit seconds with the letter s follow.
5h58
